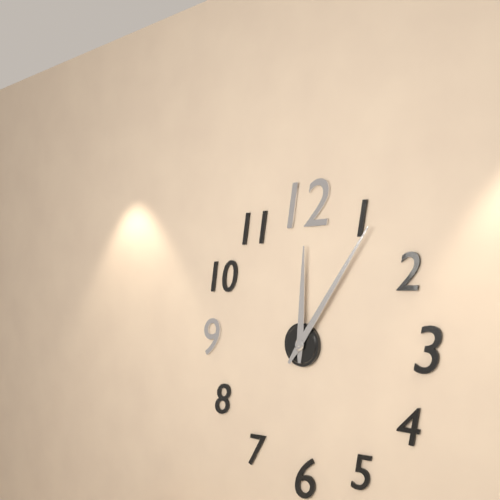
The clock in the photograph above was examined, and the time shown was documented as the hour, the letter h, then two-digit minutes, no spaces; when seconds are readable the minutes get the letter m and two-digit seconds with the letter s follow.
12h06
